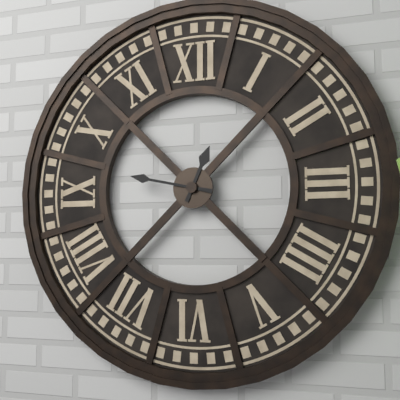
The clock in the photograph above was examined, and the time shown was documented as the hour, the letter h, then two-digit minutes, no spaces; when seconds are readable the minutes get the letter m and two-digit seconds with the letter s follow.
12h47
